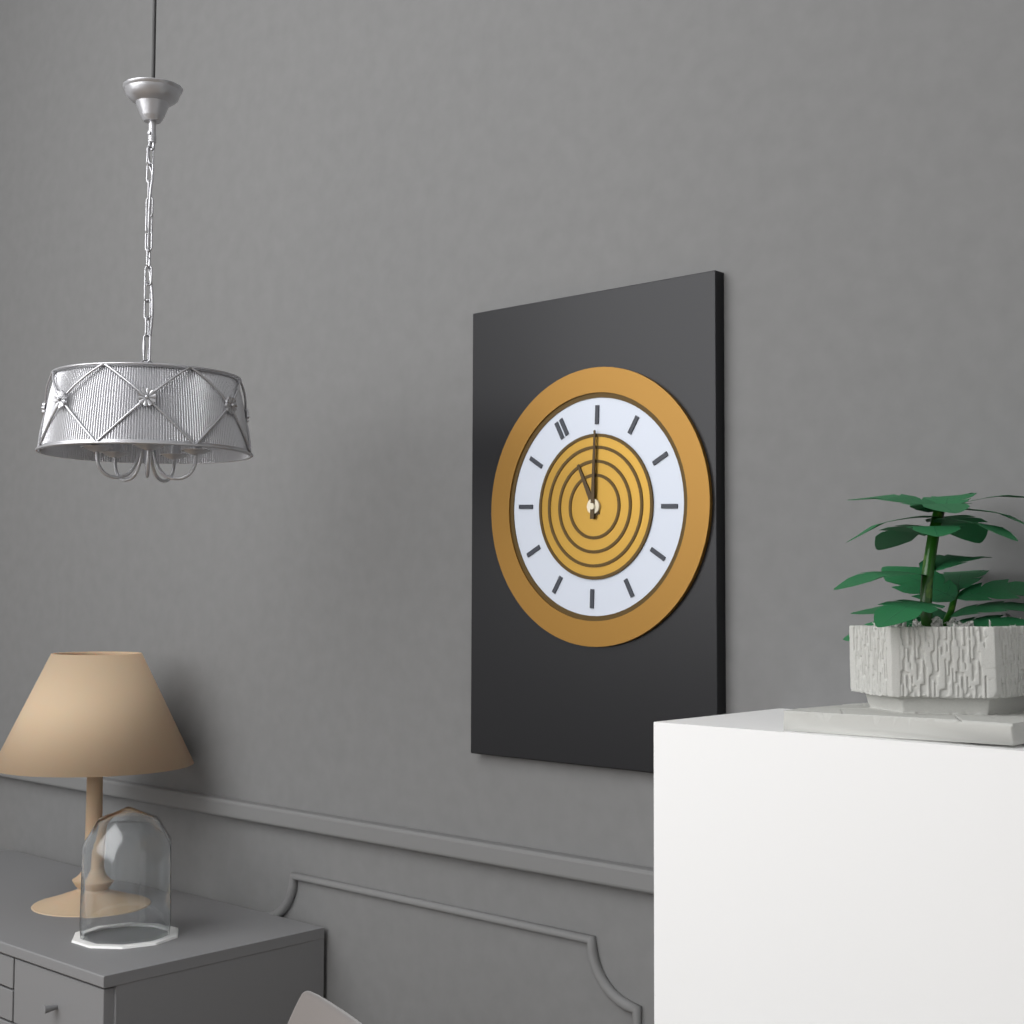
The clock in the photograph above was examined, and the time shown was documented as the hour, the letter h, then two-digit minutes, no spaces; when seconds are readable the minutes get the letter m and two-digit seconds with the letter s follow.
12h05
